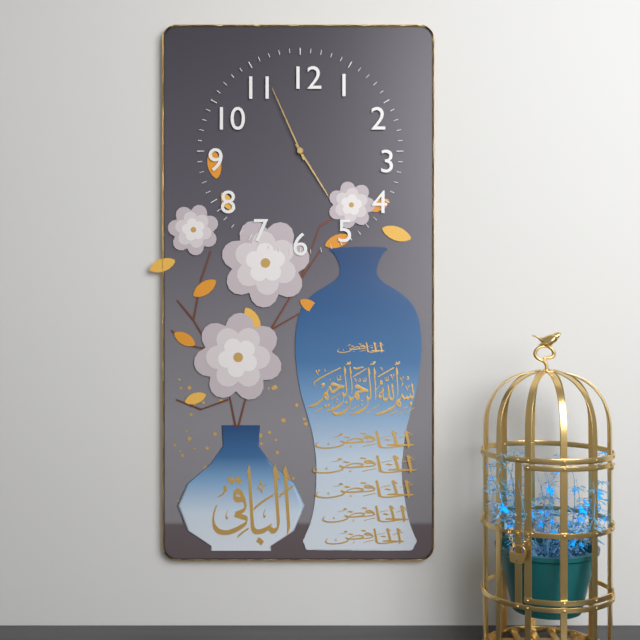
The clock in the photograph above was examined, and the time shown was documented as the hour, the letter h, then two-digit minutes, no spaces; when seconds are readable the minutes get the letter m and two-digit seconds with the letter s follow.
4h56
